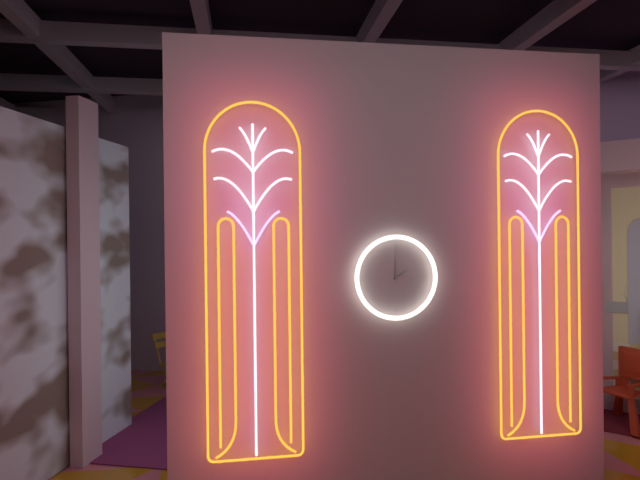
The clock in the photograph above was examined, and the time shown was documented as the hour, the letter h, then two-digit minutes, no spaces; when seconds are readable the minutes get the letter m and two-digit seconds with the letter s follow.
2h00
